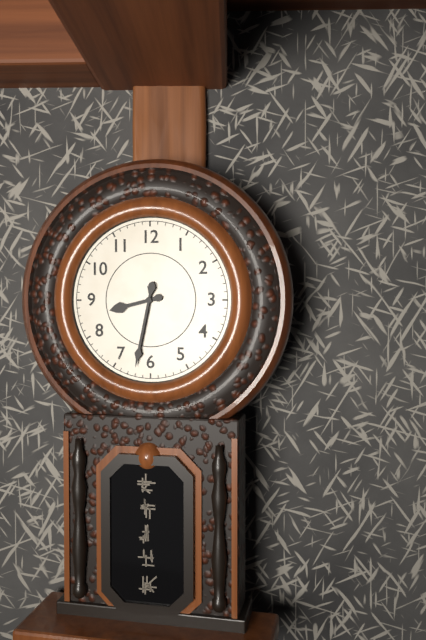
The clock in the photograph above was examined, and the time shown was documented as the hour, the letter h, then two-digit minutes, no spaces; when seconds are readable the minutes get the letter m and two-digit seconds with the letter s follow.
8h32
